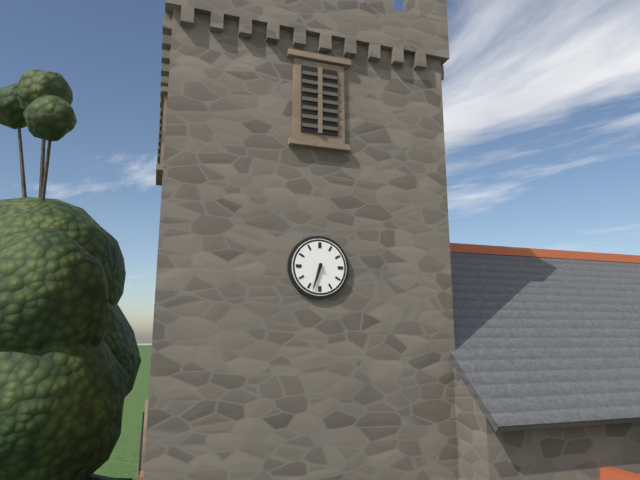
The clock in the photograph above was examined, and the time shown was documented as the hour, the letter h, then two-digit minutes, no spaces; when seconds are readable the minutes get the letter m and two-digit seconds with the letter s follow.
6h33
